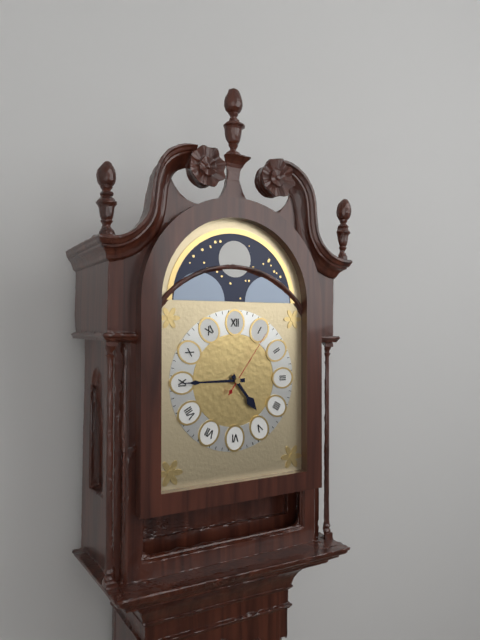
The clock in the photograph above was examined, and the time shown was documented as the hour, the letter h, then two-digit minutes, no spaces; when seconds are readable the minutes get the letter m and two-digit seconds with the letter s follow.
4h45m06s
